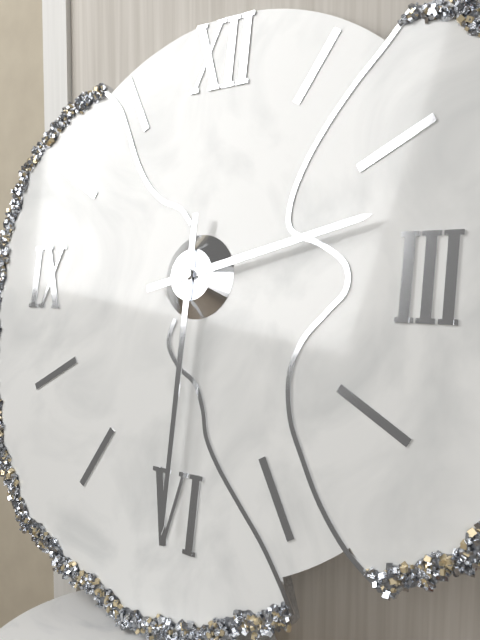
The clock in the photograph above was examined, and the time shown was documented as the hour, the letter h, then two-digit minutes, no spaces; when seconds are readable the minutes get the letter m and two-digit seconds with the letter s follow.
2h30
